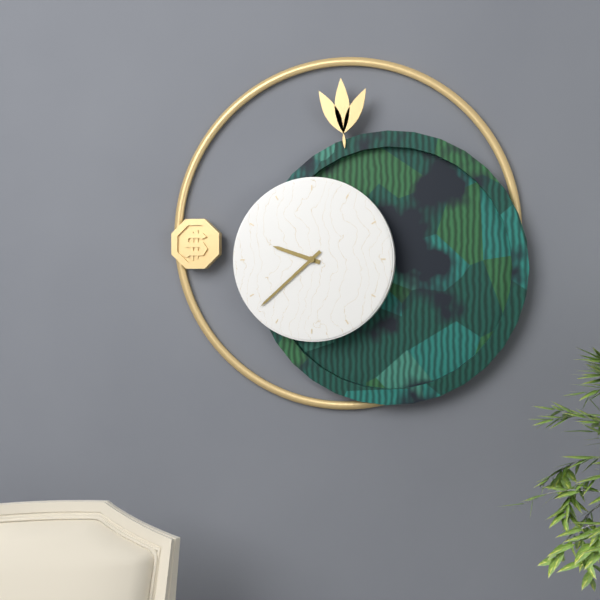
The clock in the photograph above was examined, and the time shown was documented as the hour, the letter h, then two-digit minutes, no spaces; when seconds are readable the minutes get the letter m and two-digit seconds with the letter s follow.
9h38
